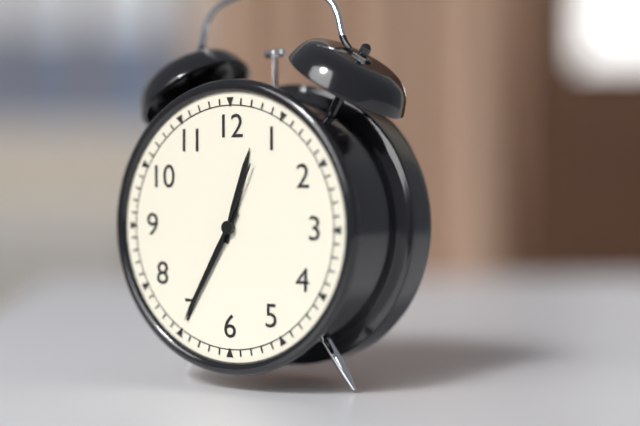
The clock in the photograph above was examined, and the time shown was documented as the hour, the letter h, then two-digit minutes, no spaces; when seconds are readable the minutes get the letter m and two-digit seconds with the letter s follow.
12h35m04s
